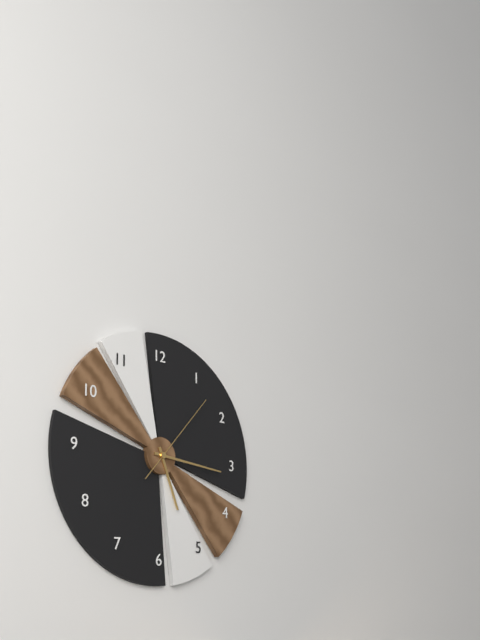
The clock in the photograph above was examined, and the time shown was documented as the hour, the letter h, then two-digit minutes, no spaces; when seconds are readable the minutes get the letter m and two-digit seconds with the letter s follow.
5h16m07s
